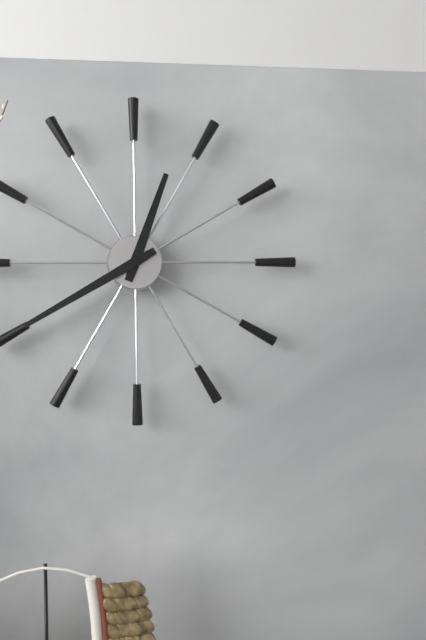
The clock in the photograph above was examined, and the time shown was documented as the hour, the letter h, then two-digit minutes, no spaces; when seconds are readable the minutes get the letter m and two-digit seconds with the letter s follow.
12h40
